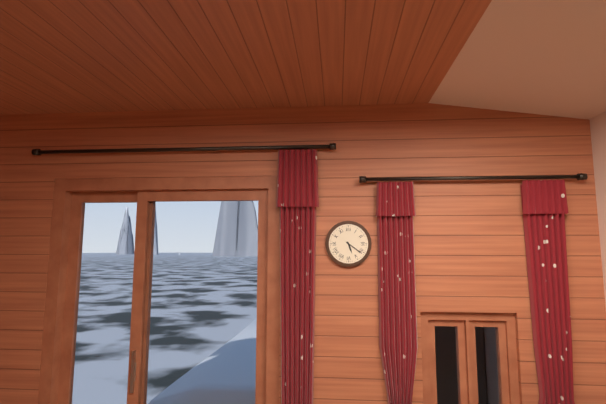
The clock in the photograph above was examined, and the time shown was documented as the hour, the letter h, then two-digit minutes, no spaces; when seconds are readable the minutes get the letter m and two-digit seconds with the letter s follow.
5h21
